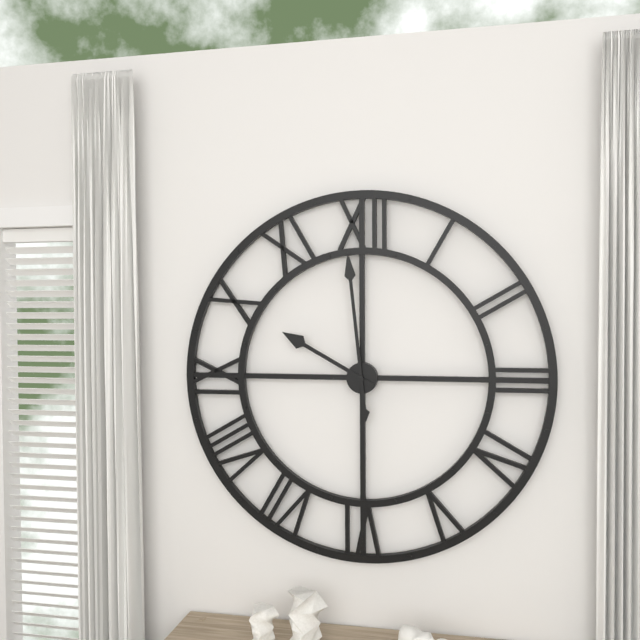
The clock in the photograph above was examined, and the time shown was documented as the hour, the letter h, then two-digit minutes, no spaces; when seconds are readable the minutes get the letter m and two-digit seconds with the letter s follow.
9h59
